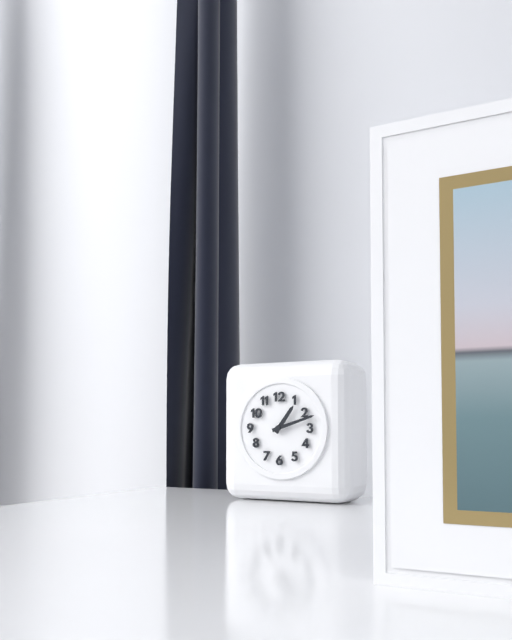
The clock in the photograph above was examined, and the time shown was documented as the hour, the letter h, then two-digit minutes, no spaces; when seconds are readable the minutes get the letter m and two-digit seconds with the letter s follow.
1h12
